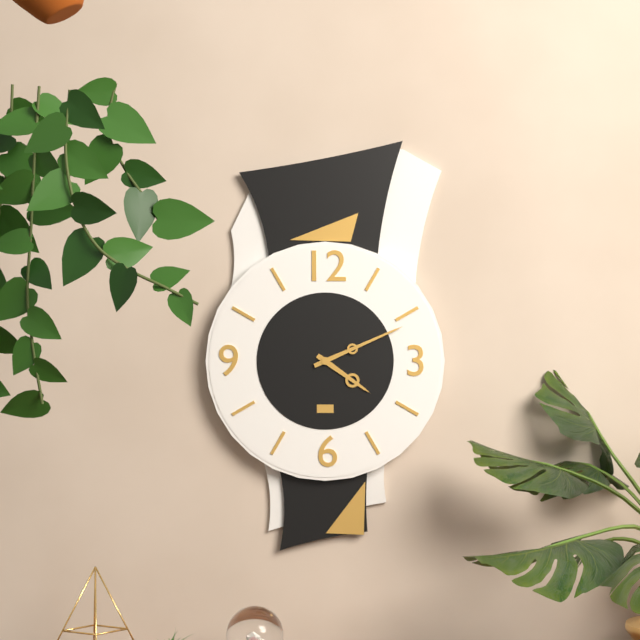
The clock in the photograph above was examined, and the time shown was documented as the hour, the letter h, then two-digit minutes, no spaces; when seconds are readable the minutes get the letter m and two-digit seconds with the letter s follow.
4h11
